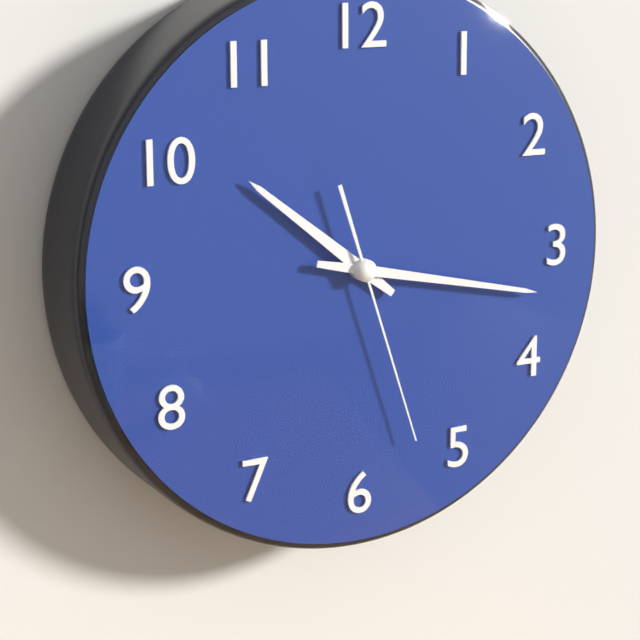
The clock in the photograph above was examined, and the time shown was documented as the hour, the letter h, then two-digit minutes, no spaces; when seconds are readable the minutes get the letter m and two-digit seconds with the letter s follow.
10h17m27s
